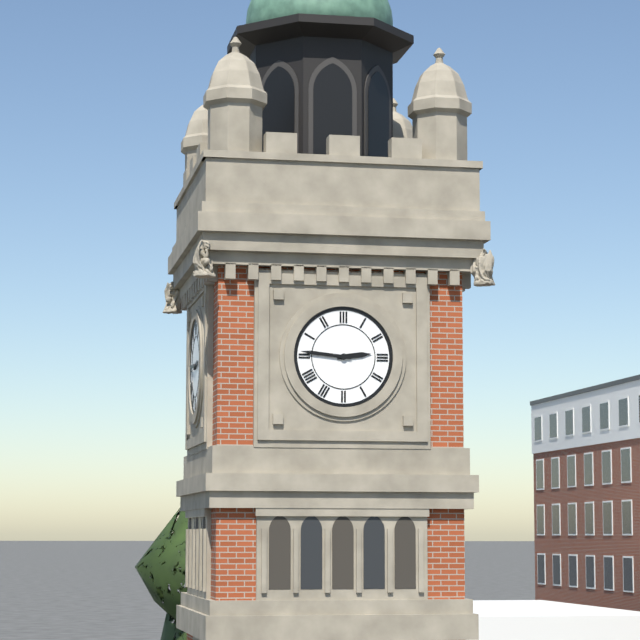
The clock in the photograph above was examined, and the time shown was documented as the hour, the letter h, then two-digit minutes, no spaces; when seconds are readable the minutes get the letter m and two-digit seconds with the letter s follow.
2h46
